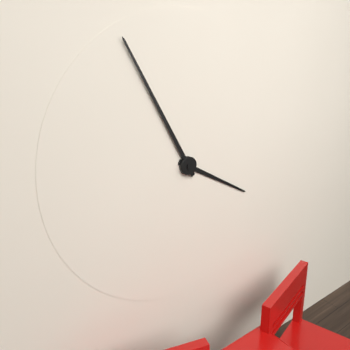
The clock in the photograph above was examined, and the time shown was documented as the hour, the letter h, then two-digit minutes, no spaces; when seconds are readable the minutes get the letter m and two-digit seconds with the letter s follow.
3h55
